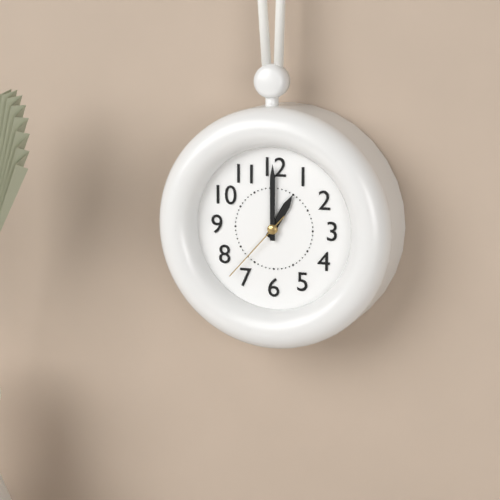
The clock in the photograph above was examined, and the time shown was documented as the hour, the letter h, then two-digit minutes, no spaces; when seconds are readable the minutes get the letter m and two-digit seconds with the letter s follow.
1h00m37s
